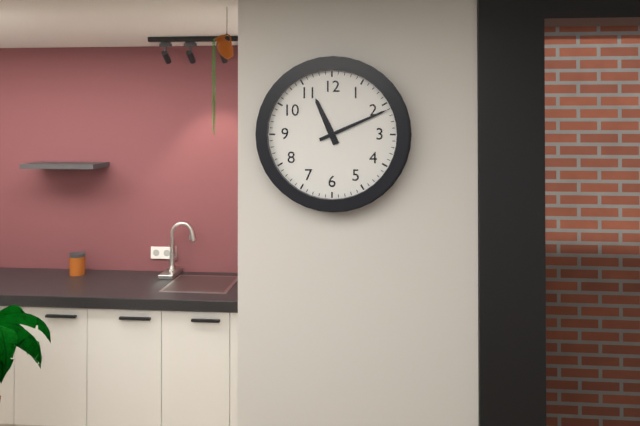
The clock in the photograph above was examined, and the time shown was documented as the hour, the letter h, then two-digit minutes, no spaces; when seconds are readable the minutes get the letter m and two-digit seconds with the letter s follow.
11h11
